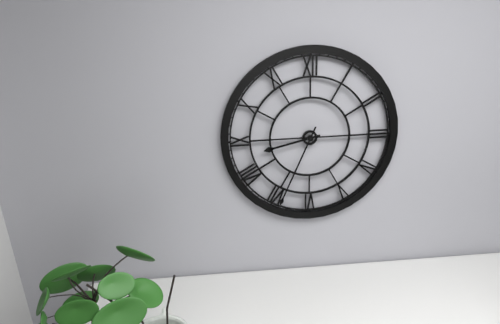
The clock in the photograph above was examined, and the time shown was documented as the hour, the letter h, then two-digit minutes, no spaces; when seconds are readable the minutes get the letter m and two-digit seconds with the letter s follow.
8h34
